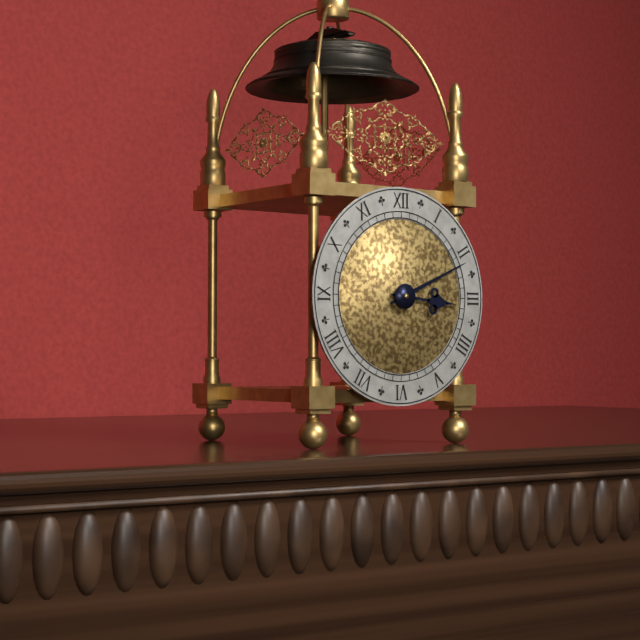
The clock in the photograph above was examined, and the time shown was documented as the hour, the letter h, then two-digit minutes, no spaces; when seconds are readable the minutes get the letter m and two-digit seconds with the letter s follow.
3h11
